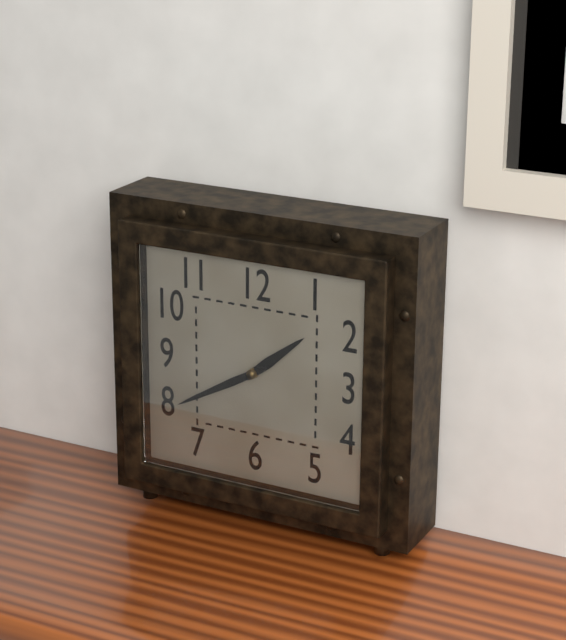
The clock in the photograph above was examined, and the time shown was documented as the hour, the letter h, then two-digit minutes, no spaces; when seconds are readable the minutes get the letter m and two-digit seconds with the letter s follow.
1h40
